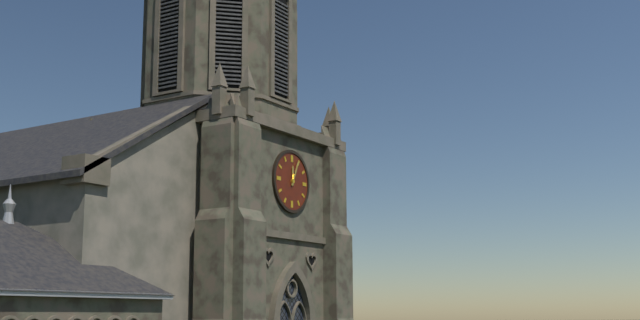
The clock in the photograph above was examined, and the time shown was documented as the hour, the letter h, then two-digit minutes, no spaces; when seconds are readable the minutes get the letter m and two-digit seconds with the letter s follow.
12h04
